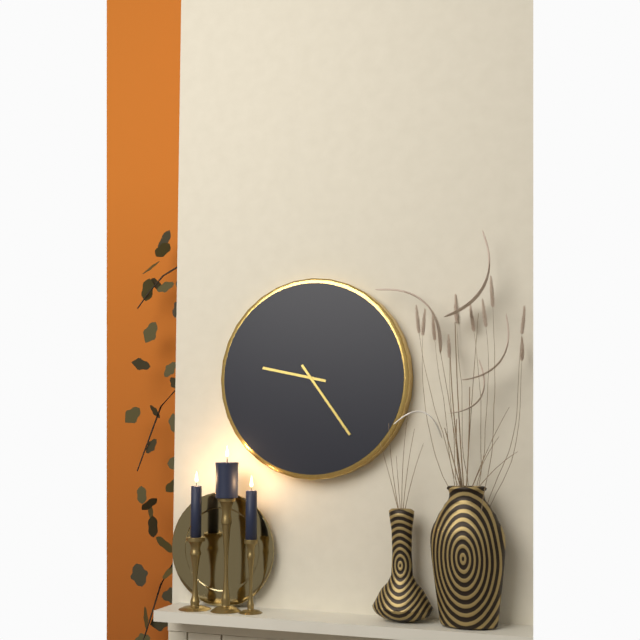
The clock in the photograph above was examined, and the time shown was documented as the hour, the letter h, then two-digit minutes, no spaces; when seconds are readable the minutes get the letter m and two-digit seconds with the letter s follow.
9h24
